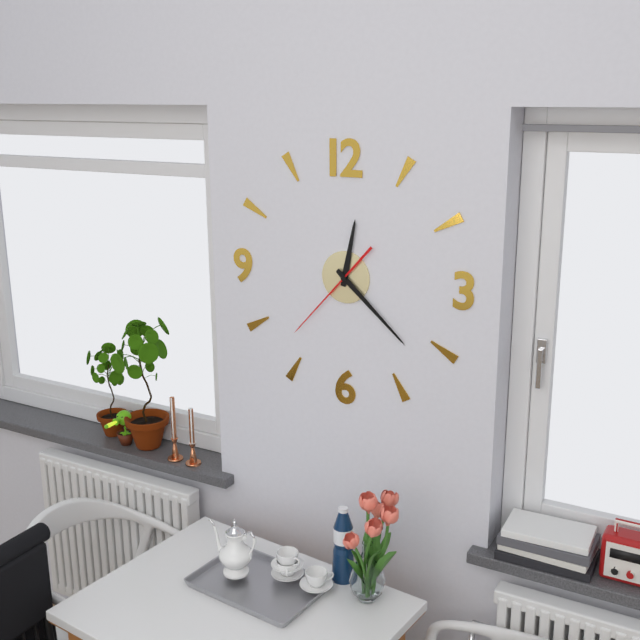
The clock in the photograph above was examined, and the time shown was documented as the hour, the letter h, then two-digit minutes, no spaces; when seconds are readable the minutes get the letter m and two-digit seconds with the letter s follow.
12h22m37s
